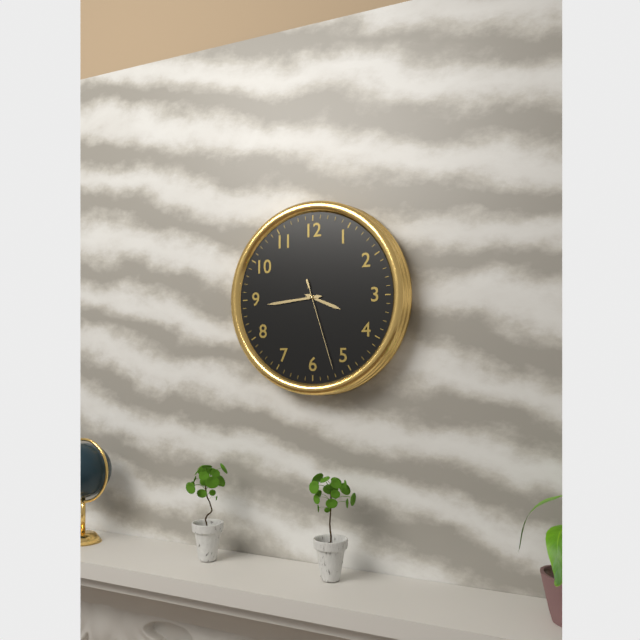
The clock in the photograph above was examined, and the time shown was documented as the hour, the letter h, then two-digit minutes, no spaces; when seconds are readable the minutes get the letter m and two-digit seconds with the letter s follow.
3h44m27s
